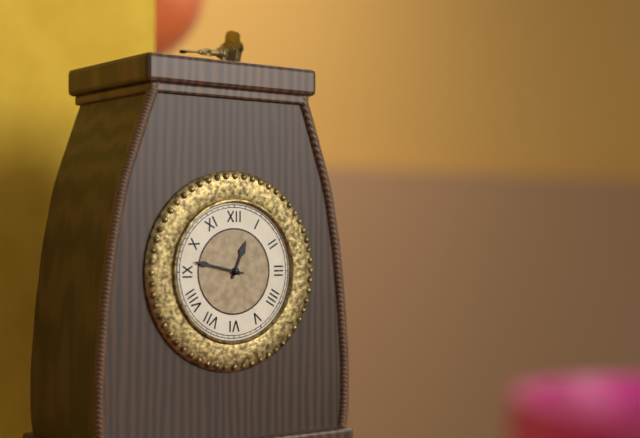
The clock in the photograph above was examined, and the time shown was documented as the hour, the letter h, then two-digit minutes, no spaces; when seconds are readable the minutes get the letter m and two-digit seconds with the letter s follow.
12h47
